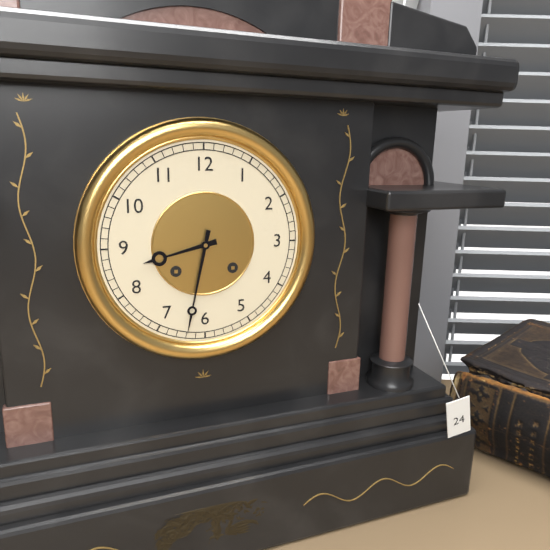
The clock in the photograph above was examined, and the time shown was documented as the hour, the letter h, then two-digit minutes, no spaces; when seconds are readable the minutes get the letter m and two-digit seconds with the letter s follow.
8h32
